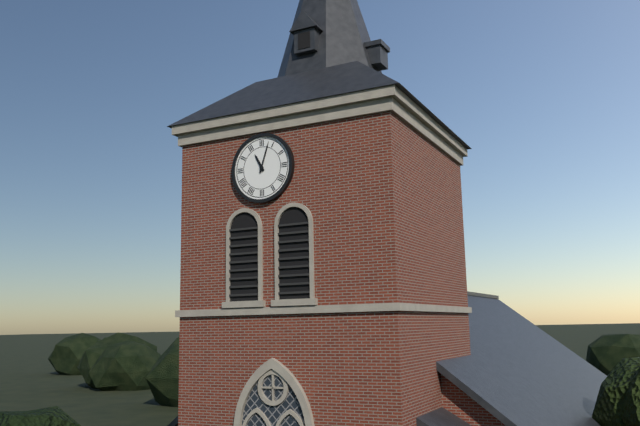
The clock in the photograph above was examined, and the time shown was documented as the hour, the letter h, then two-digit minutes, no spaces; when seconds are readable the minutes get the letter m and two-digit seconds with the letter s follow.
11h03
